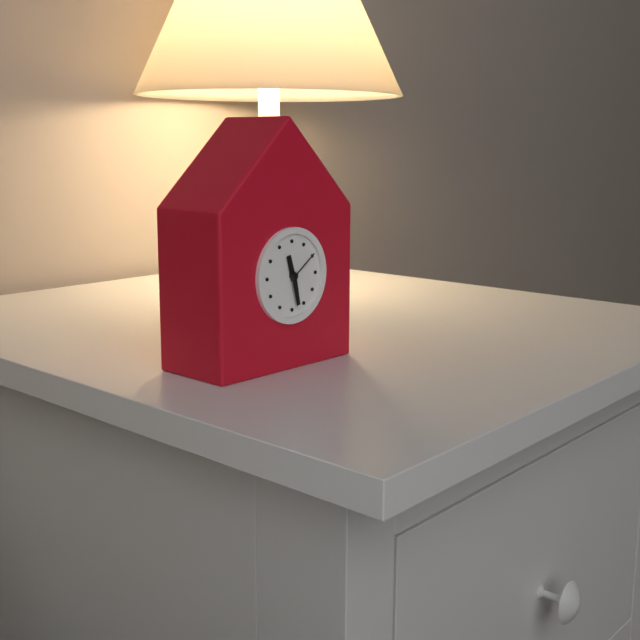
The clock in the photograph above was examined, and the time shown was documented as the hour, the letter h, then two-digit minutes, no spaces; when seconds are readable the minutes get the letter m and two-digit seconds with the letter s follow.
11h28
